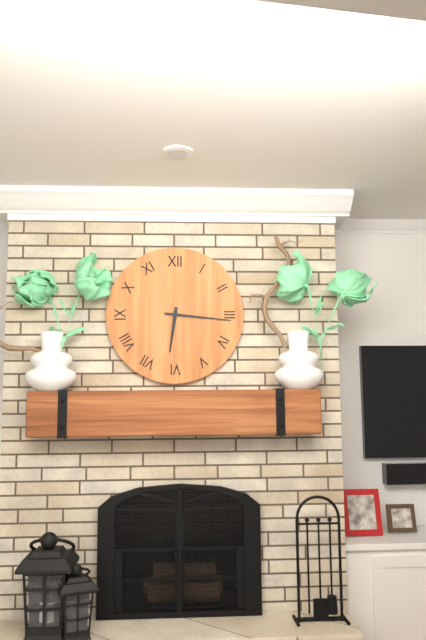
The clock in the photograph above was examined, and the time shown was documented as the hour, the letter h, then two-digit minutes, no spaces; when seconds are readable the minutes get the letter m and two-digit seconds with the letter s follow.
6h16
